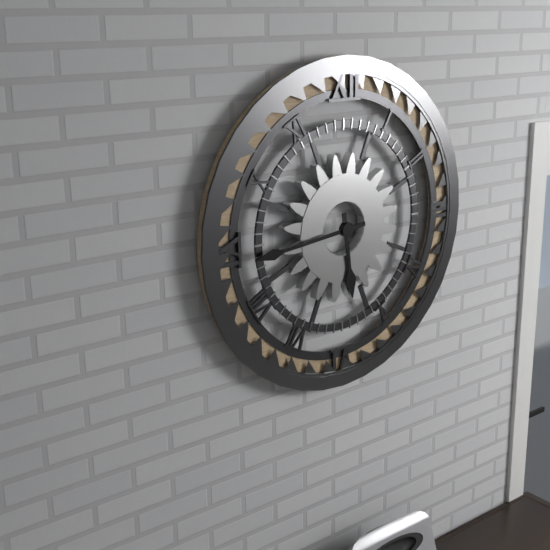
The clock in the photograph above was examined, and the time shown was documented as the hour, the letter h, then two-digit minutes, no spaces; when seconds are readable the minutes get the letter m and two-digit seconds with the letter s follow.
5h44
